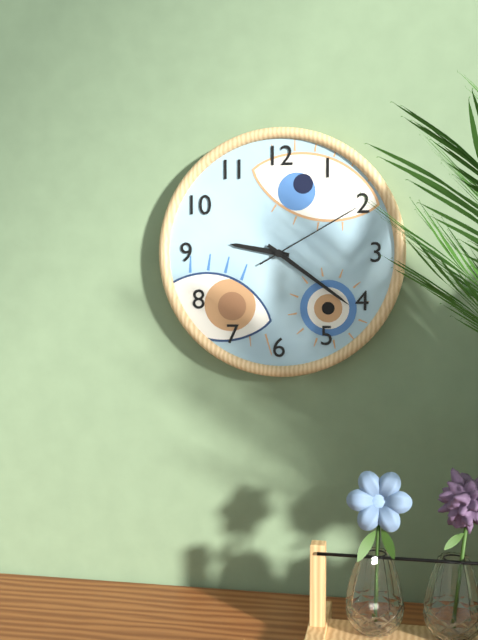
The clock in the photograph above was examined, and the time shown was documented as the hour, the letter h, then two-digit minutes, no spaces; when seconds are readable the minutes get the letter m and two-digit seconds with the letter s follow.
9h21m10s
